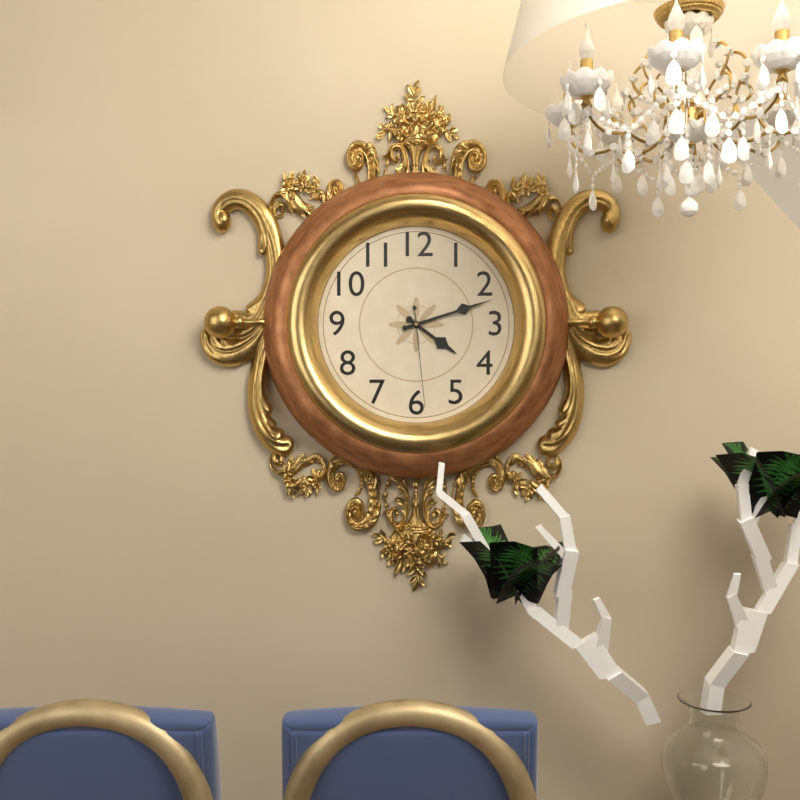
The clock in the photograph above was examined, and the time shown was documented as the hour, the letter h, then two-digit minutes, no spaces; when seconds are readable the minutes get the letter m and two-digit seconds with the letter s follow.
4h12m29s
